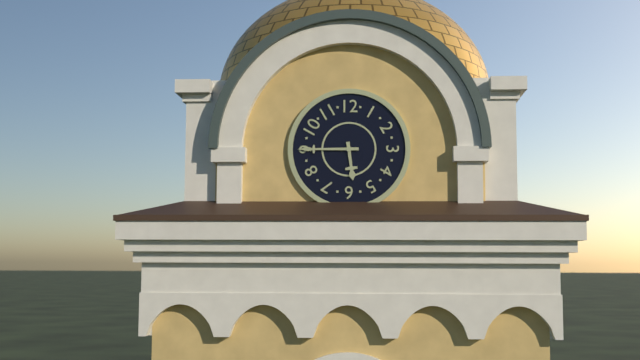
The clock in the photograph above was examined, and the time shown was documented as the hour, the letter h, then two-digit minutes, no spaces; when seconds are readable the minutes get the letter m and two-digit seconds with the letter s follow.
5h45
